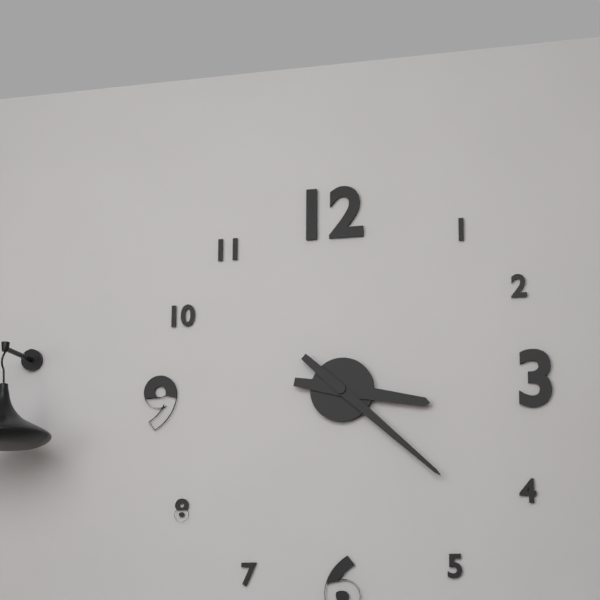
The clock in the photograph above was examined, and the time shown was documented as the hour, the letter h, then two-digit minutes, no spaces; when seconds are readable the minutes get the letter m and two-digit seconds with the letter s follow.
3h22
